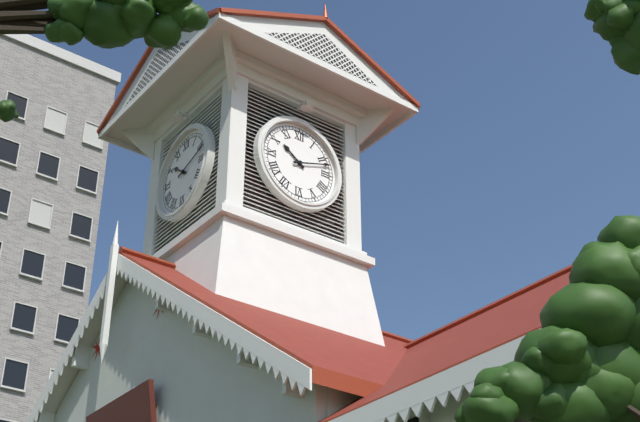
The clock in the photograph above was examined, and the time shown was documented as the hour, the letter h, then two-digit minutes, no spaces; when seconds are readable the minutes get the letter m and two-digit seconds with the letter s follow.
10h12
